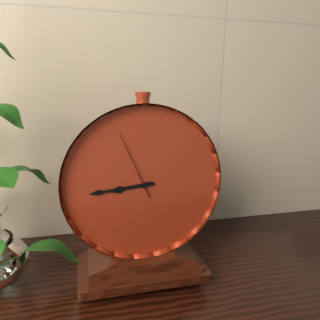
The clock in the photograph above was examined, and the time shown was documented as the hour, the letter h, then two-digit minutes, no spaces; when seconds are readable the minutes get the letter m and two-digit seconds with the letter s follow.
8h44m56s
